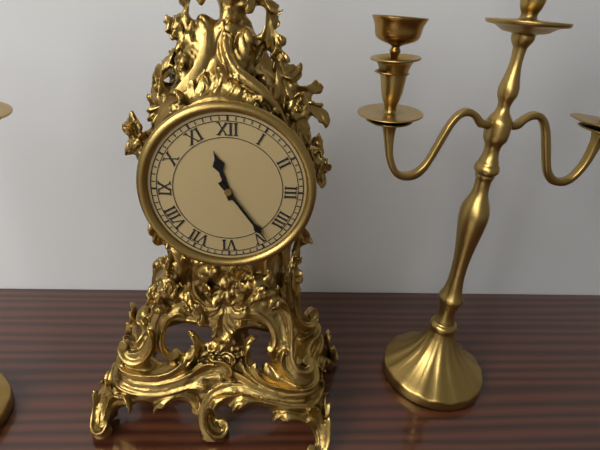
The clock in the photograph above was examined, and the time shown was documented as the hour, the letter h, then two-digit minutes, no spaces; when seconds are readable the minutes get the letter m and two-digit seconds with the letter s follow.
11h24
